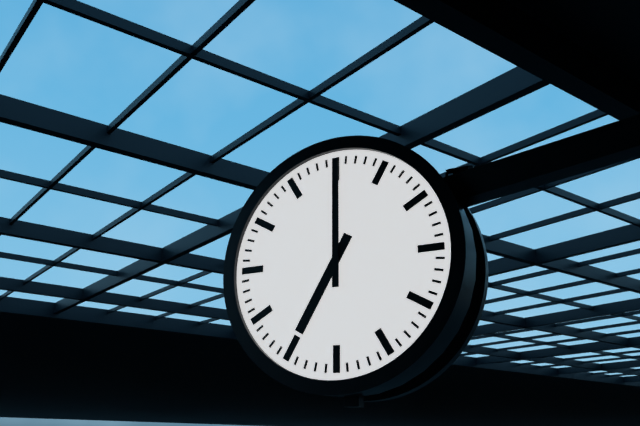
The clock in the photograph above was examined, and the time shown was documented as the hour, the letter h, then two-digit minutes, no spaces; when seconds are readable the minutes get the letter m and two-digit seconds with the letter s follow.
7h00
